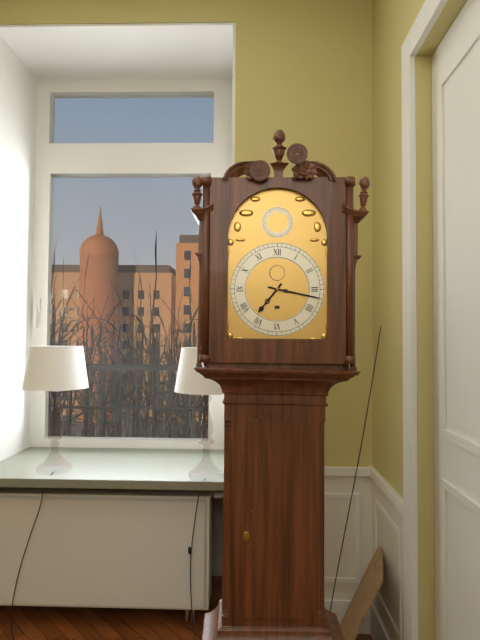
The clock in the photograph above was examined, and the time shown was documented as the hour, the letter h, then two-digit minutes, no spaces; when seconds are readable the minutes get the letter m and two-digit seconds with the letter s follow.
7h17
